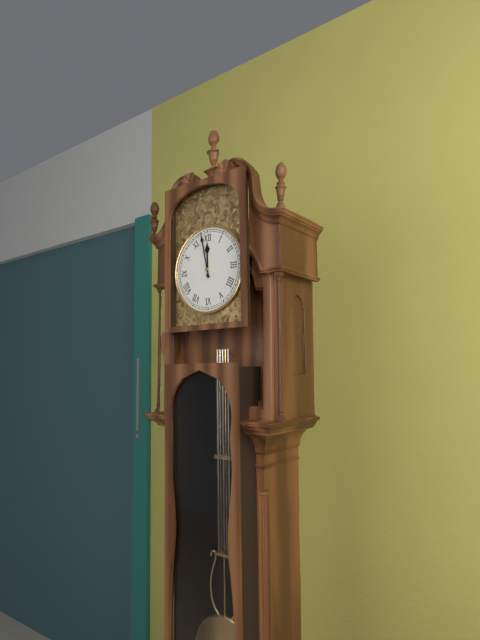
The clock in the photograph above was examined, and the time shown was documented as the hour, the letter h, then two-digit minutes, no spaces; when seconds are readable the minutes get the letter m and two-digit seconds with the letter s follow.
11h58
